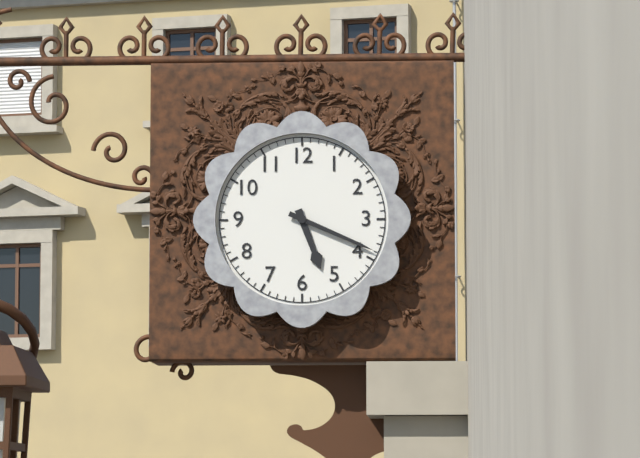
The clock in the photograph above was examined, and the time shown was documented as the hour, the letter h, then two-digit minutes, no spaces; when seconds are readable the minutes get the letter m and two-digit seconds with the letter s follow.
5h19
